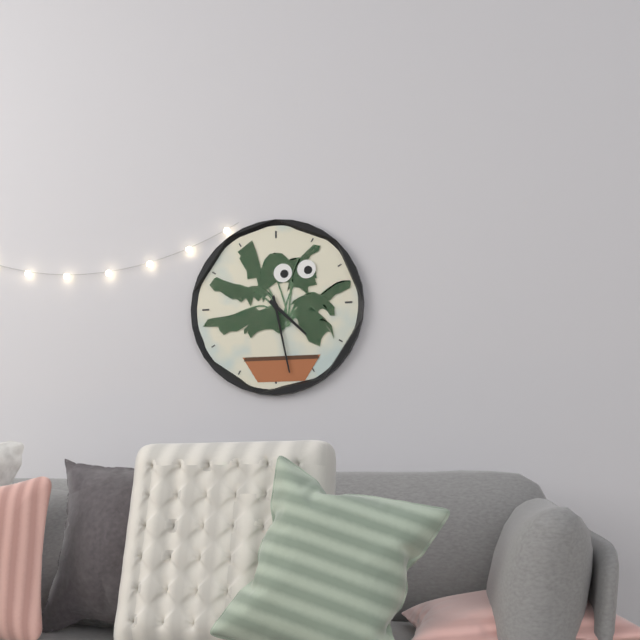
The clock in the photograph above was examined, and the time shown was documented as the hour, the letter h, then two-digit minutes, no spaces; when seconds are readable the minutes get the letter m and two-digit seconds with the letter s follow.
4h28
